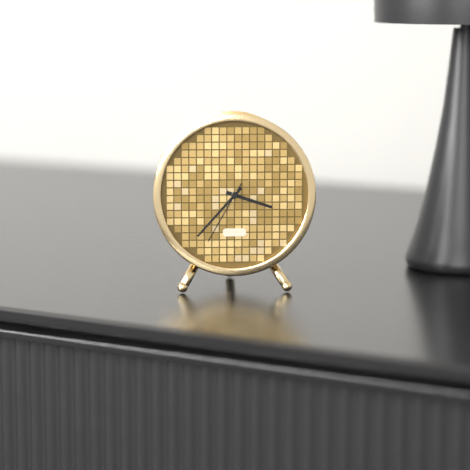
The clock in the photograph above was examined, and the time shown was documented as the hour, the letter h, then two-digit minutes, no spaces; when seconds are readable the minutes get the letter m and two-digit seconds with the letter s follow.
3h37m35s
